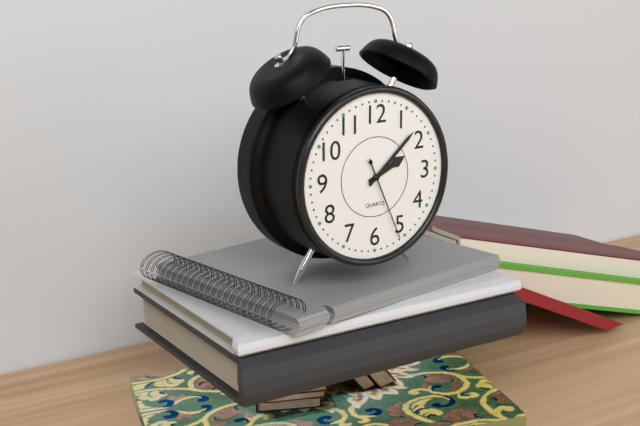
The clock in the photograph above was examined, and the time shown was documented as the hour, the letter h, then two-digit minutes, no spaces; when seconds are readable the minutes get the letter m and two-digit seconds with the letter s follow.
2h08m26s
